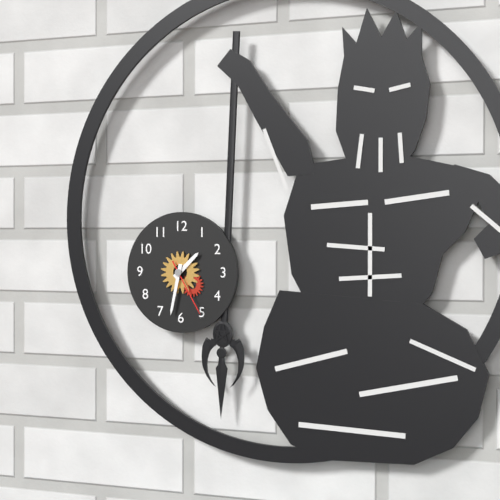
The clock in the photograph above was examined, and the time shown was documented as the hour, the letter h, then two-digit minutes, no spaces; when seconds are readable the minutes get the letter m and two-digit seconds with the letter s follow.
1h32m25s
